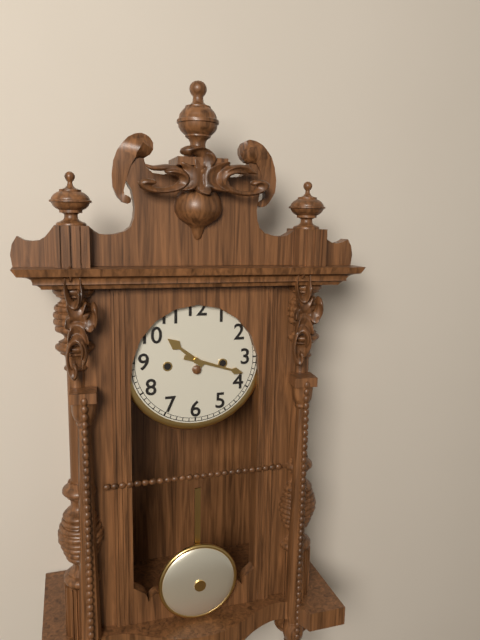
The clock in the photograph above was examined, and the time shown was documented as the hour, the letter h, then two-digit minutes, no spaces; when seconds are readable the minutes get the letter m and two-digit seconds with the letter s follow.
10h18
